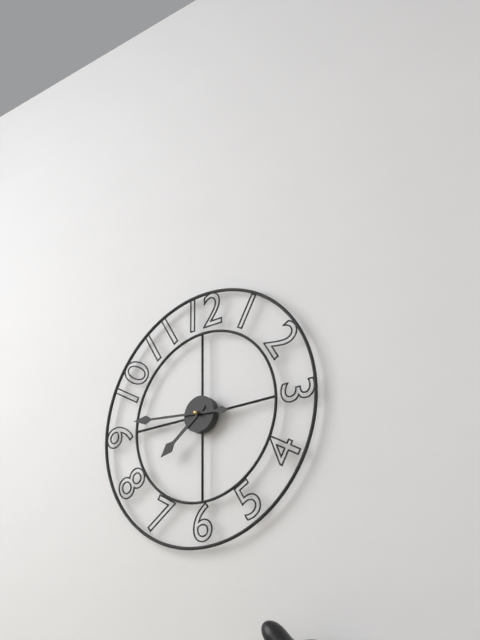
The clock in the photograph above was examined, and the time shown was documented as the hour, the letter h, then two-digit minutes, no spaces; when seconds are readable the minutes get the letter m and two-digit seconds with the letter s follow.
7h46
